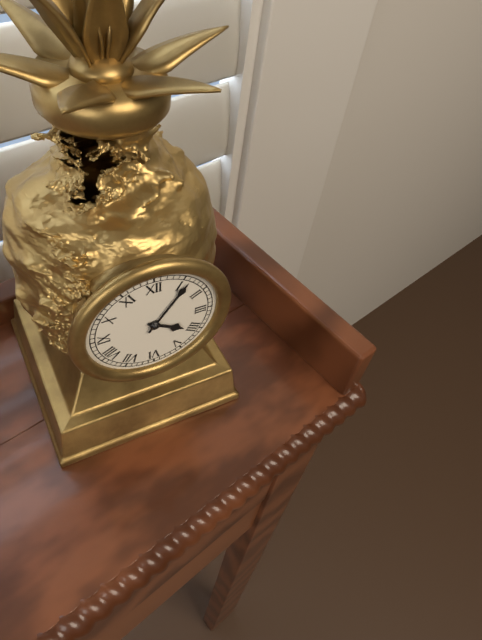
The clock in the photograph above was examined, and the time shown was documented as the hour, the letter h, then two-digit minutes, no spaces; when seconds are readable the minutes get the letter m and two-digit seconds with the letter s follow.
4h06
